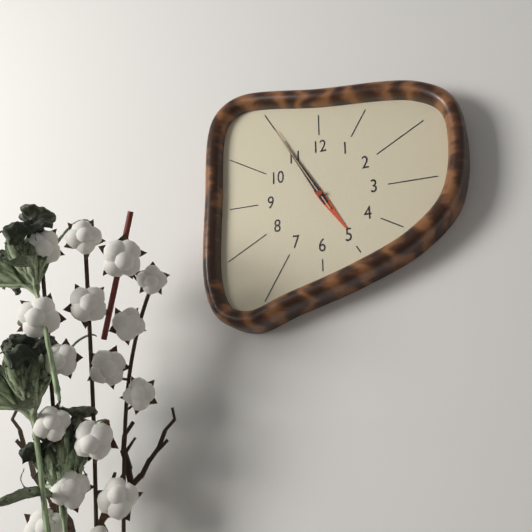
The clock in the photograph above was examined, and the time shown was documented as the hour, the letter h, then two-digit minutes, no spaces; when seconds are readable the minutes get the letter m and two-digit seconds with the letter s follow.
4h55m55s
